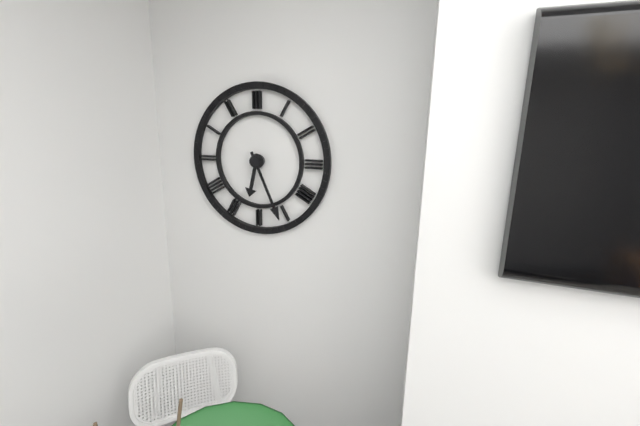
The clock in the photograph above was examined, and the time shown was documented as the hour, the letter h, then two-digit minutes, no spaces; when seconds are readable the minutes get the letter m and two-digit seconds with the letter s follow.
6h26
